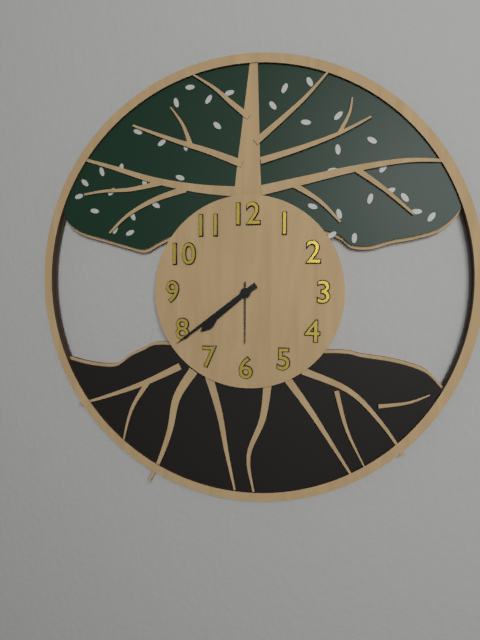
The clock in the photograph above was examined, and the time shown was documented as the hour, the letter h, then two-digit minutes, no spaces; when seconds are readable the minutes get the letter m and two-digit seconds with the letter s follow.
7h39m30s
